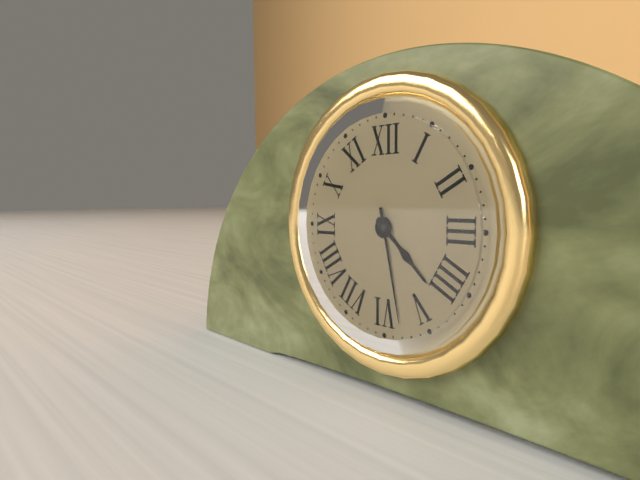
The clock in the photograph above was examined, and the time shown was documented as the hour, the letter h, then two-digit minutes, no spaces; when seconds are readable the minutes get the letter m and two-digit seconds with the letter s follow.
4h28
